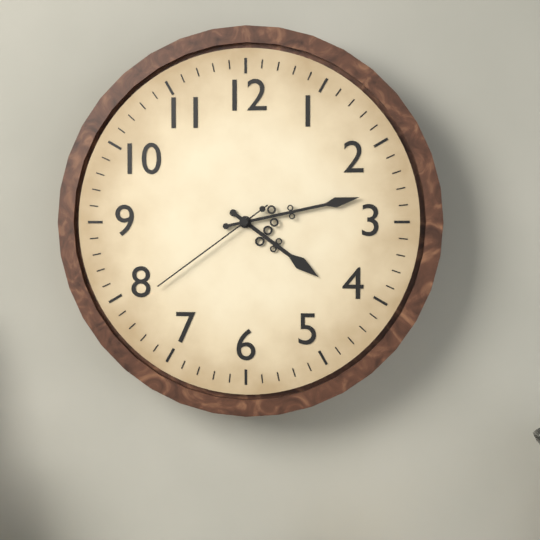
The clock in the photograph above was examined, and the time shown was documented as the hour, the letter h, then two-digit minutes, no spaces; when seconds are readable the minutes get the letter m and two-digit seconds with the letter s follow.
4h13m39s
